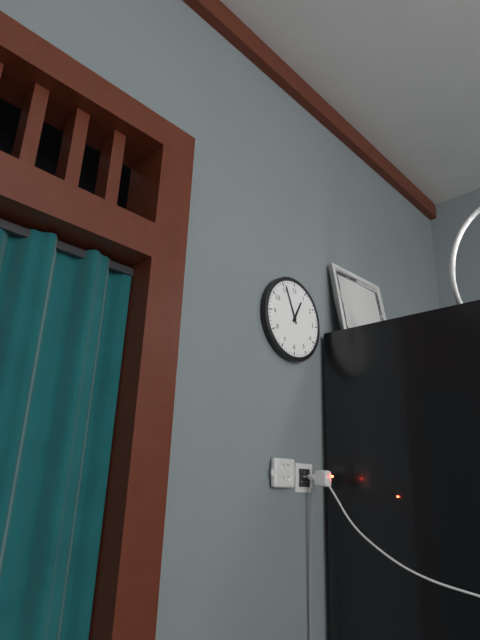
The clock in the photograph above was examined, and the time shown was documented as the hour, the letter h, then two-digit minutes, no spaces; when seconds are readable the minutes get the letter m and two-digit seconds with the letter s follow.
12h56
